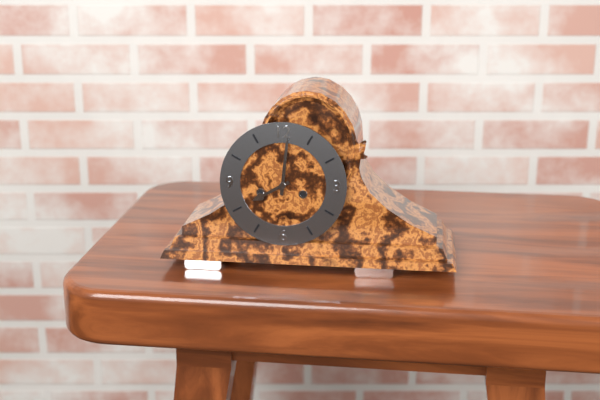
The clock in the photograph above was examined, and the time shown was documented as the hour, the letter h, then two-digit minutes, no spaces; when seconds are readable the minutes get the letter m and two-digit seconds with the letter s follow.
8h01
